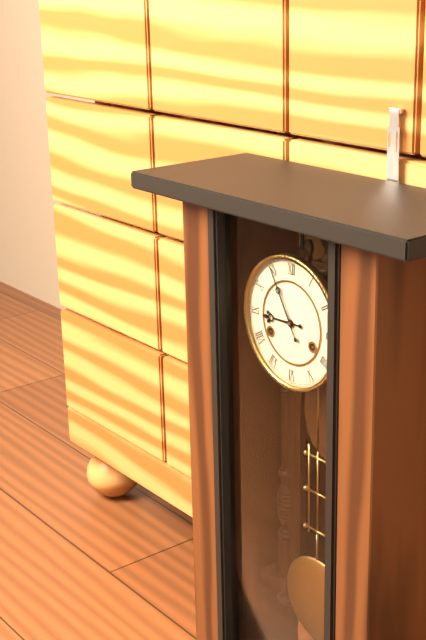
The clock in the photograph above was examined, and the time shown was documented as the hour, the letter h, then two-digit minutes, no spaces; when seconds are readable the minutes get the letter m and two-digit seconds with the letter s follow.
8h55
